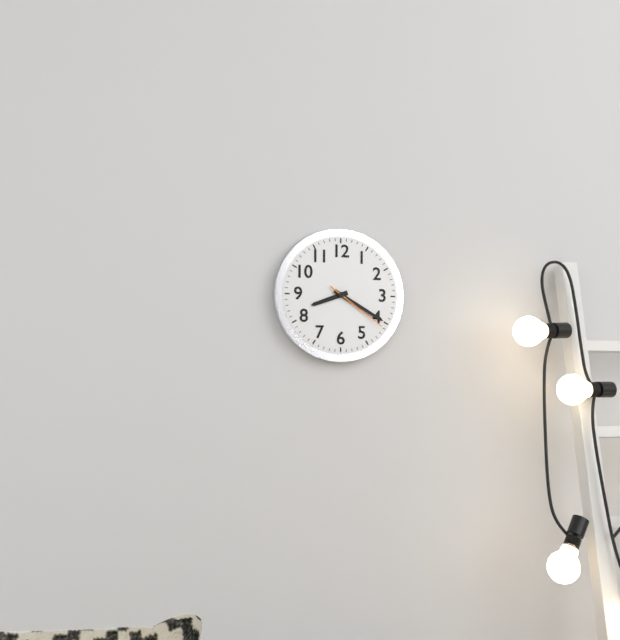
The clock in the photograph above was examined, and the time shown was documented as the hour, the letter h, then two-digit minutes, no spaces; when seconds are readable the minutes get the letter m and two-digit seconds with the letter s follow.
8h20m21s
